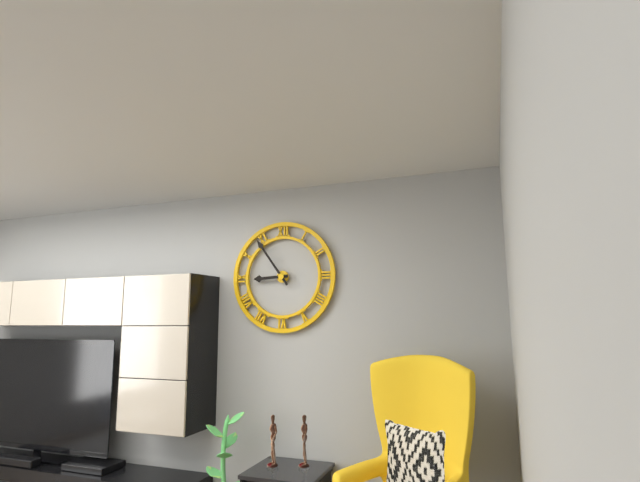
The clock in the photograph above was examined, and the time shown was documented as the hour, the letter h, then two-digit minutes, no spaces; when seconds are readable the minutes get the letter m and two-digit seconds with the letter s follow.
8h54
